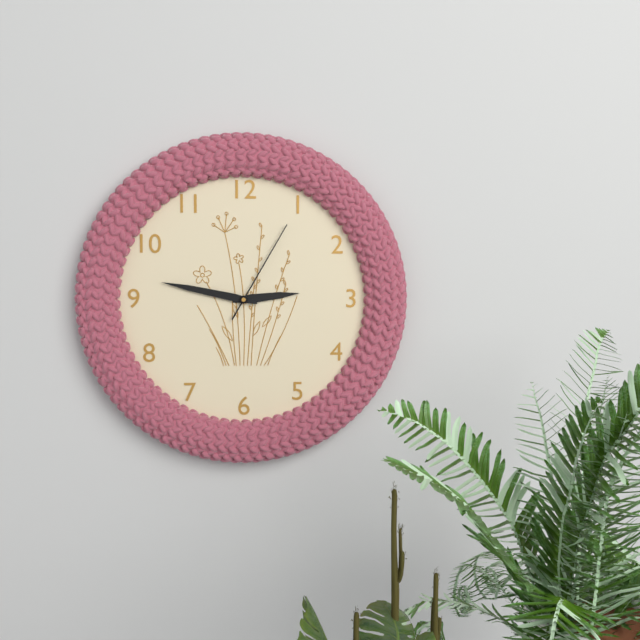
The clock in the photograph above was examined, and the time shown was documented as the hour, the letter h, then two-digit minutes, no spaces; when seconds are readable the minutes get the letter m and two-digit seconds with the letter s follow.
2h47m05s
